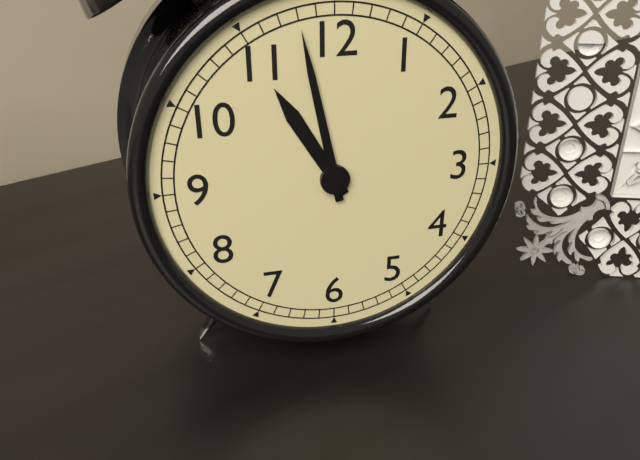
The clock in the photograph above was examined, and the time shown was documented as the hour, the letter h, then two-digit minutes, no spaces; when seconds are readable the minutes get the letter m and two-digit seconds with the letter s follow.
10h58
